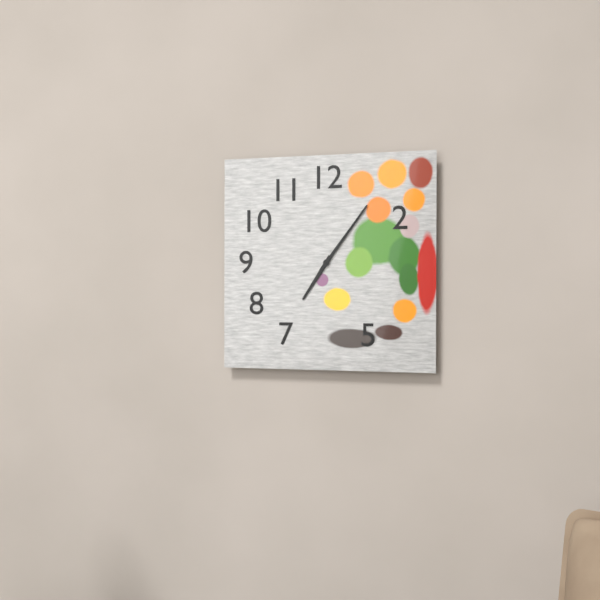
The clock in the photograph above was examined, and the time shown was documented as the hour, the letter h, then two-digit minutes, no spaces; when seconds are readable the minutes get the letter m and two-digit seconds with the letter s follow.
7h06
